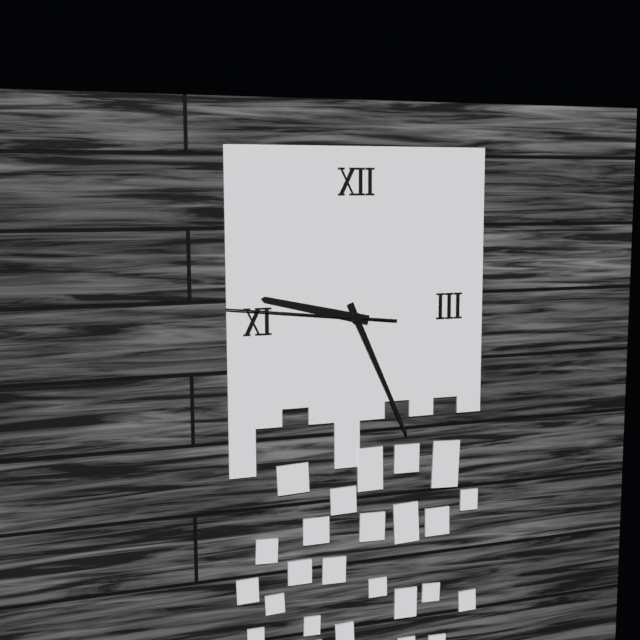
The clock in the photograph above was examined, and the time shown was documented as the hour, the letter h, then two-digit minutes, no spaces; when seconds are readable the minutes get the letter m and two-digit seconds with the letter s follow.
9h26m46s
